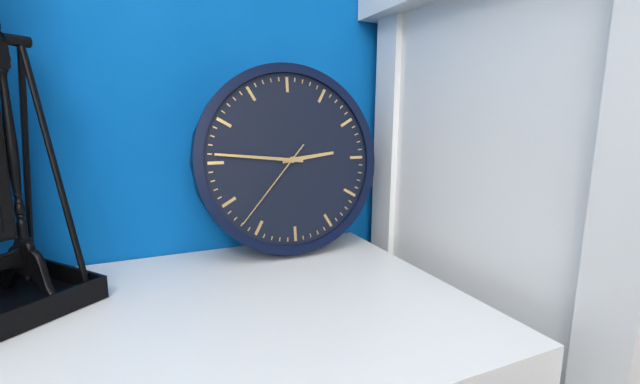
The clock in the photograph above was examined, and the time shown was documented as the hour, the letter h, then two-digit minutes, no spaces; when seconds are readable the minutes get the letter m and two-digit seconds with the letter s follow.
2h46m37s
